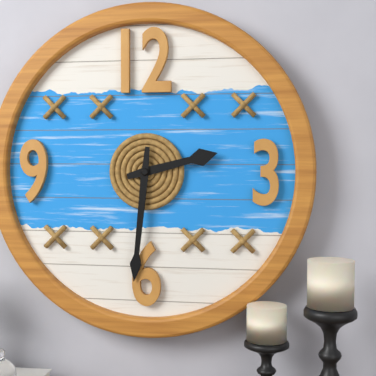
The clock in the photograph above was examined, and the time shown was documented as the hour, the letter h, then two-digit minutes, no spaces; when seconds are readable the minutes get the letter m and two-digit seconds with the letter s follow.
2h31
